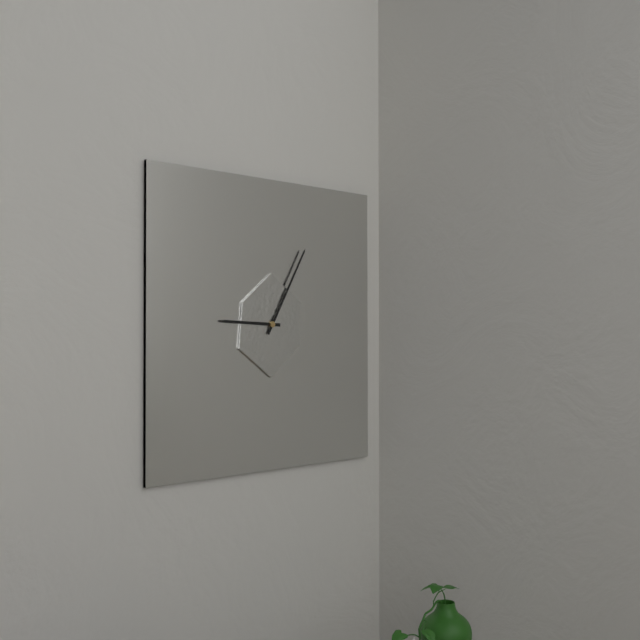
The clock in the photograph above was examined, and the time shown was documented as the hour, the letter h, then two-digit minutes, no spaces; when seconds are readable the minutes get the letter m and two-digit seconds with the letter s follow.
9h05
